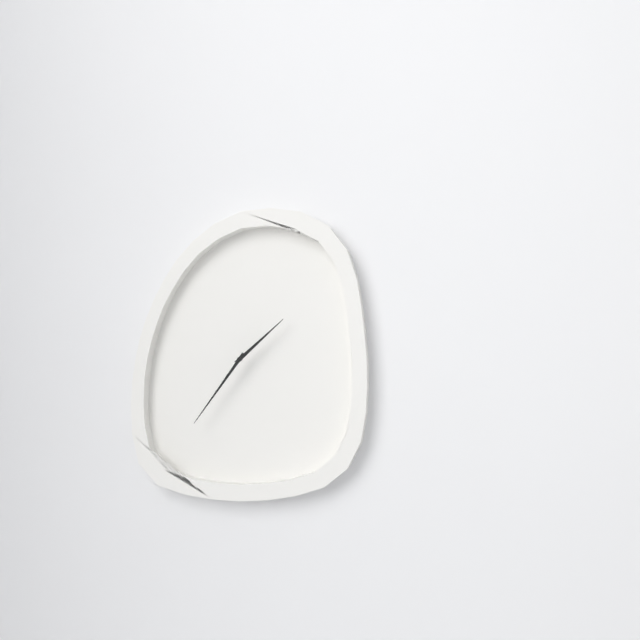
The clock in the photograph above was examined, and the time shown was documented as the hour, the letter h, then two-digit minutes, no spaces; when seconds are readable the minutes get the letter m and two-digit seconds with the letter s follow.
1h36
